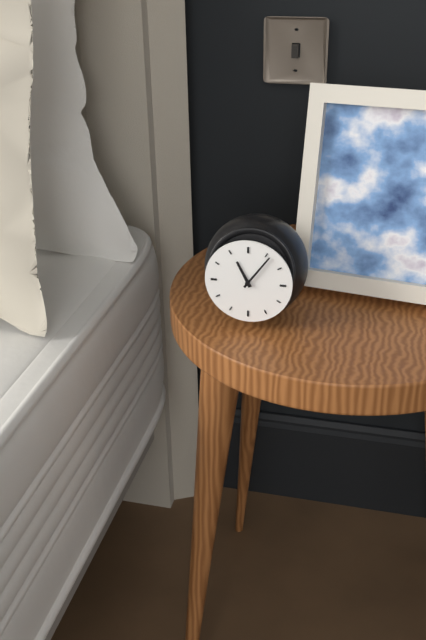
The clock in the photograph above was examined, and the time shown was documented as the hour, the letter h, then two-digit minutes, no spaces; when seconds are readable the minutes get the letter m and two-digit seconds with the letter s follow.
11h06
